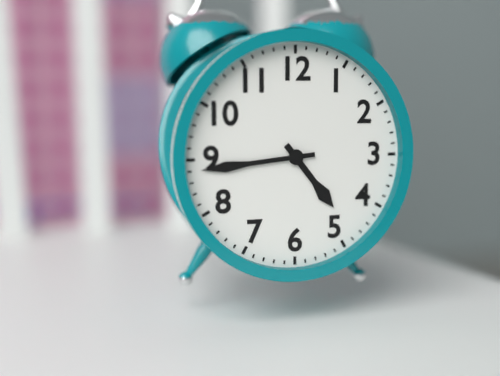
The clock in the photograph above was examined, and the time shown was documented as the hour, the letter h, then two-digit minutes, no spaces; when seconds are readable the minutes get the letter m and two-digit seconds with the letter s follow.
4h44
